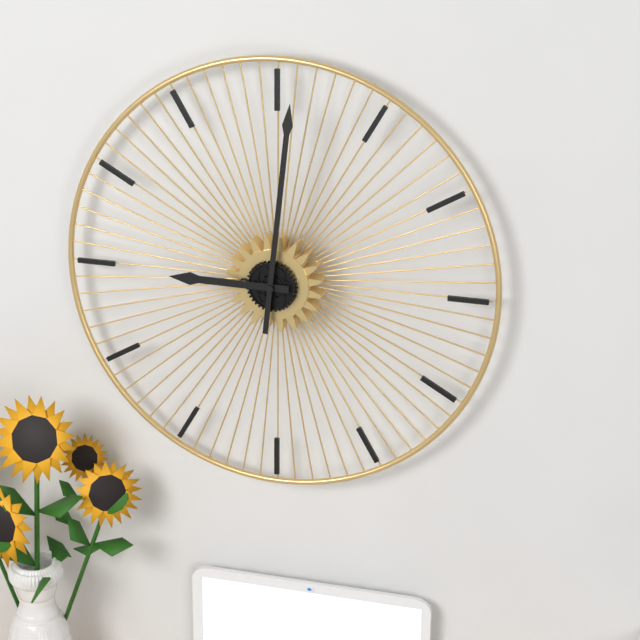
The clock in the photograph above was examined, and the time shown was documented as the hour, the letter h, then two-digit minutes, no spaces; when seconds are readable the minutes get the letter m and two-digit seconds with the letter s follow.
9h01
